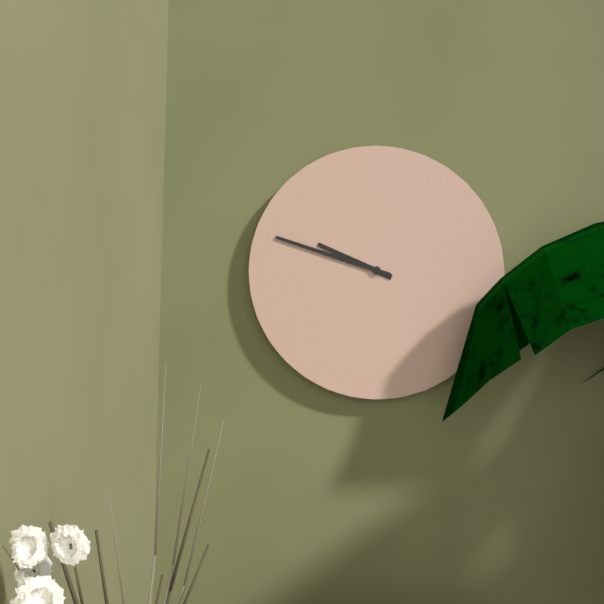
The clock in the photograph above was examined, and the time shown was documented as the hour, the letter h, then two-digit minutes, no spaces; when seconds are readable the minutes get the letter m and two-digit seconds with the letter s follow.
9h48
